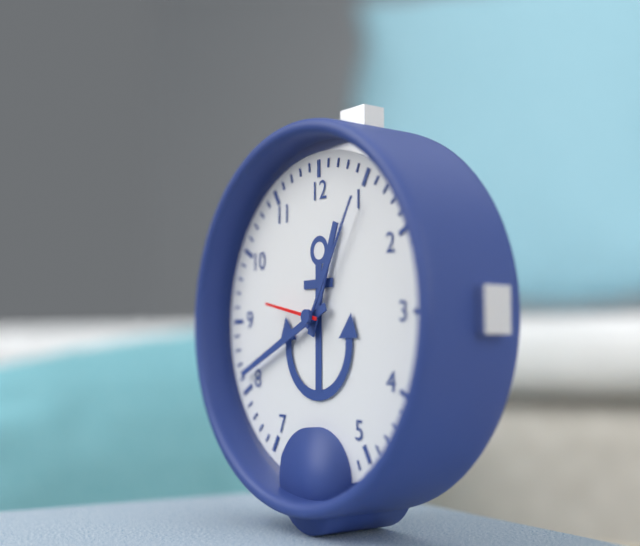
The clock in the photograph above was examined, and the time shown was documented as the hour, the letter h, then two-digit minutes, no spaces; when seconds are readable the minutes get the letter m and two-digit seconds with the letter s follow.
12h41m47s
